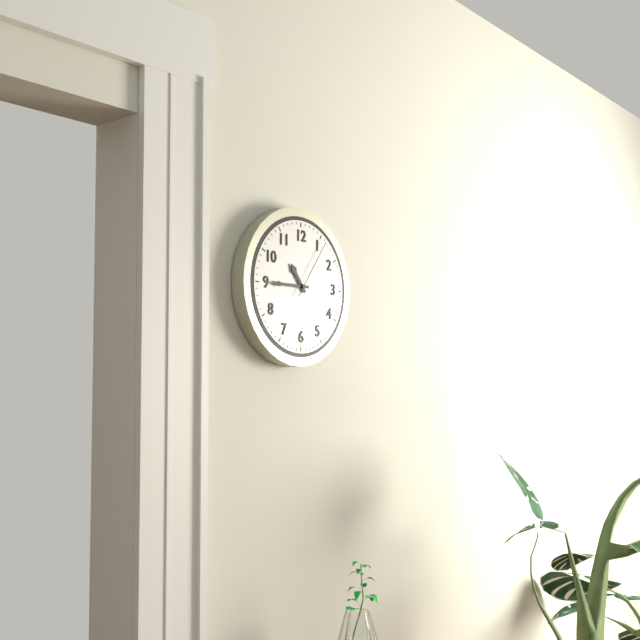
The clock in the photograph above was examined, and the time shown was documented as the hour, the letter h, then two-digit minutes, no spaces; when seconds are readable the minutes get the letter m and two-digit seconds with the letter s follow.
10h45m06s
